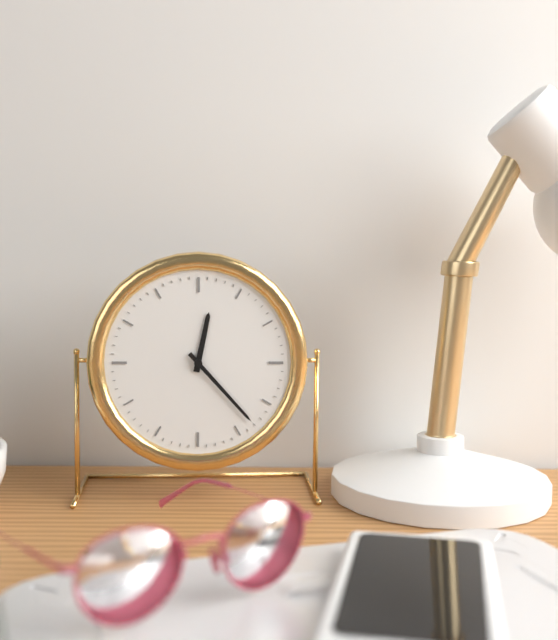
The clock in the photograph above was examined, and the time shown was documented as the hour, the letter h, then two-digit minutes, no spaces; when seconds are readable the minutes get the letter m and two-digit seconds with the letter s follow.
12h23
